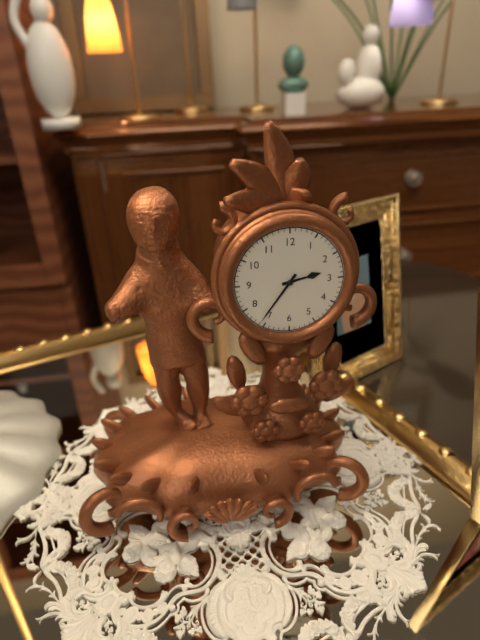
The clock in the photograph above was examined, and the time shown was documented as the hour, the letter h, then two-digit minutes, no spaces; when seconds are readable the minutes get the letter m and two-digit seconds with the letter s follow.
2h36
